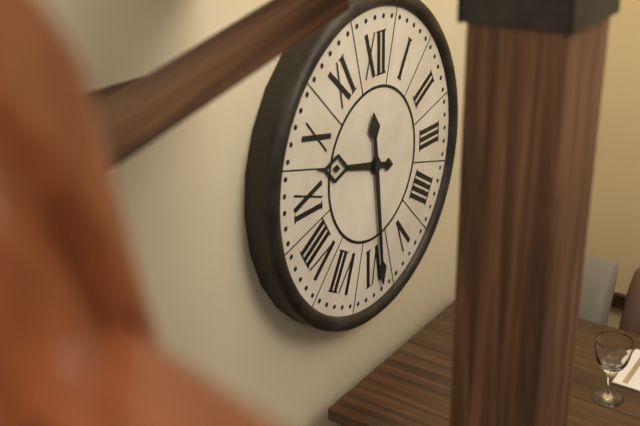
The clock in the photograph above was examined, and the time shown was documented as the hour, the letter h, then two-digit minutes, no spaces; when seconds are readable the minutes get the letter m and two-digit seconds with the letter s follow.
9h29
